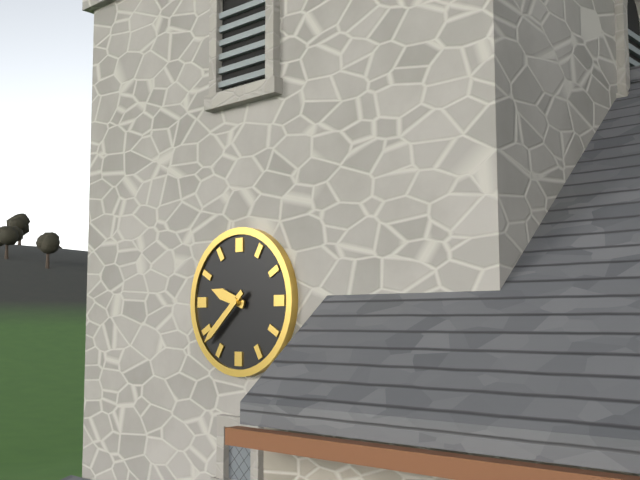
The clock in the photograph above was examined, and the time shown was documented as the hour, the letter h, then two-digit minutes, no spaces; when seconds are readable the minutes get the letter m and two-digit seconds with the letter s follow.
9h38
